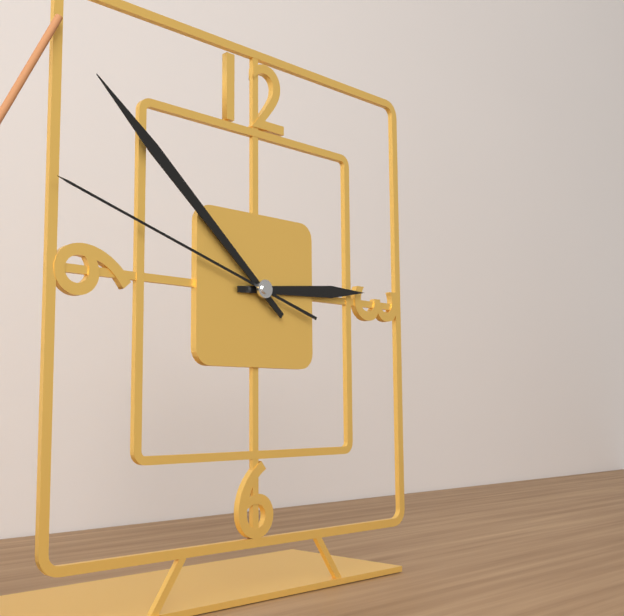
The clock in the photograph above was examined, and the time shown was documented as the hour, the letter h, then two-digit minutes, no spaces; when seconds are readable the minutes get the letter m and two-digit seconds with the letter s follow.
2h52m48s
